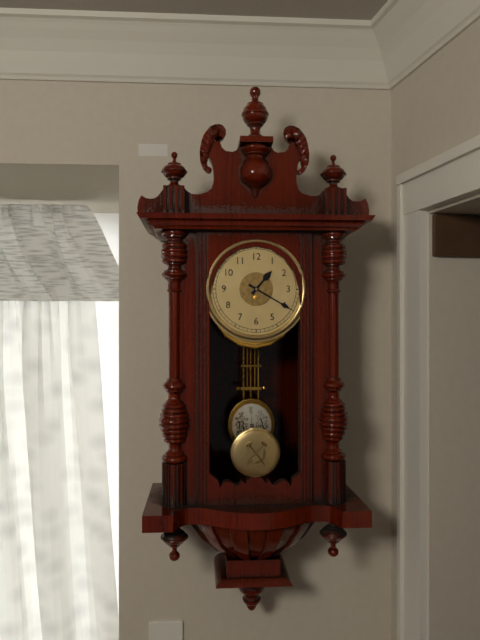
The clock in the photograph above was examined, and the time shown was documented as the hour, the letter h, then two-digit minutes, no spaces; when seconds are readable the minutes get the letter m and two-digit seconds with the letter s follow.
1h20
